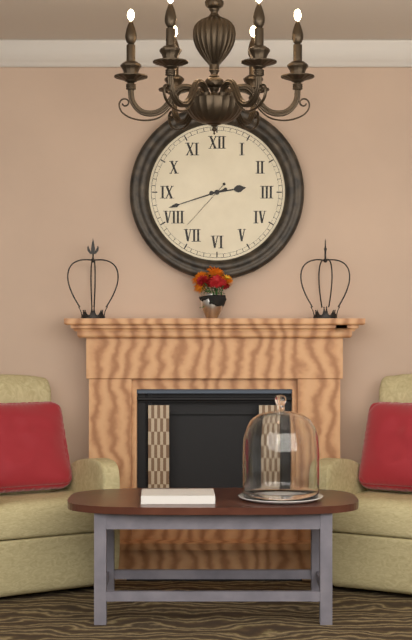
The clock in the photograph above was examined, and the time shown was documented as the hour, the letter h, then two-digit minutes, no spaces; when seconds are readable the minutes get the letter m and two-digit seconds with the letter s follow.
2h42m37s
